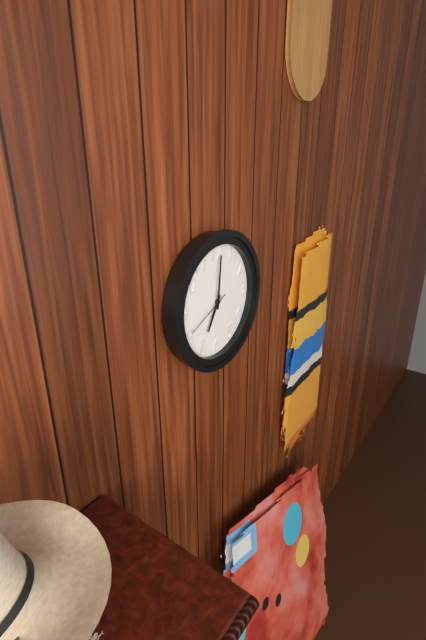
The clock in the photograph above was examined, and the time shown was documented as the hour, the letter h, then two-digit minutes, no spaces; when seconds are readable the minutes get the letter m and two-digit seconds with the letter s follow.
7h01m41s
